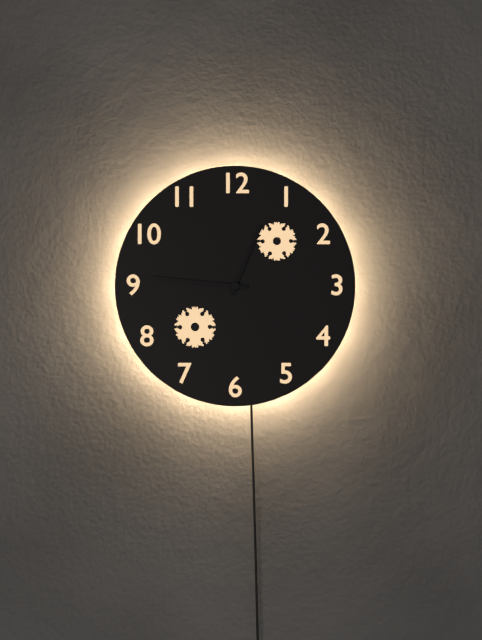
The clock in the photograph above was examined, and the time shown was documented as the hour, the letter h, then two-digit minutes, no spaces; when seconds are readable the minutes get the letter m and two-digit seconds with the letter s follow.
12h46
